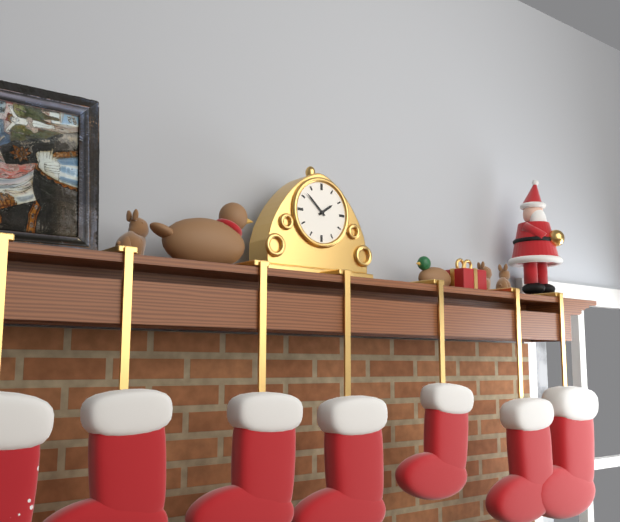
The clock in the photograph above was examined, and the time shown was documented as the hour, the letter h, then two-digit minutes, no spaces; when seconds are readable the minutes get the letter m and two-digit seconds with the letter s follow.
1h52
